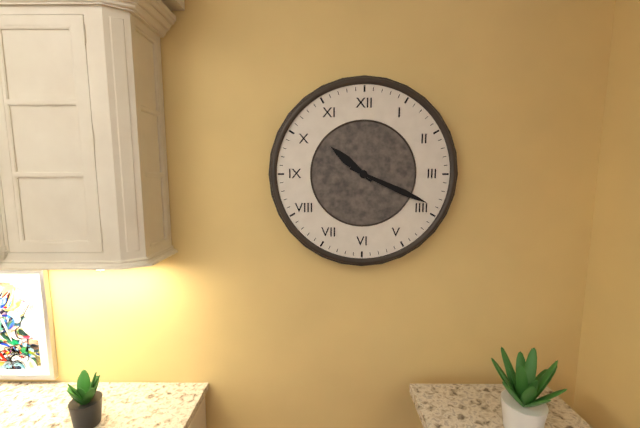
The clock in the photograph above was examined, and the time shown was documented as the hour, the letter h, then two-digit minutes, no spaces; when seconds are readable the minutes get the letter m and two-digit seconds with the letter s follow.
10h19
